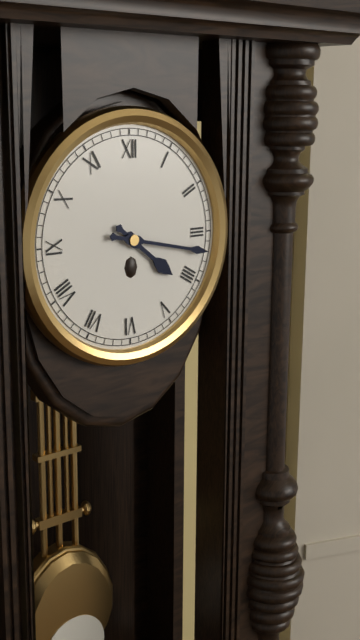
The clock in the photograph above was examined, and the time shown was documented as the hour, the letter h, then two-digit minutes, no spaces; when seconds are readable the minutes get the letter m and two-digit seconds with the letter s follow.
4h17
